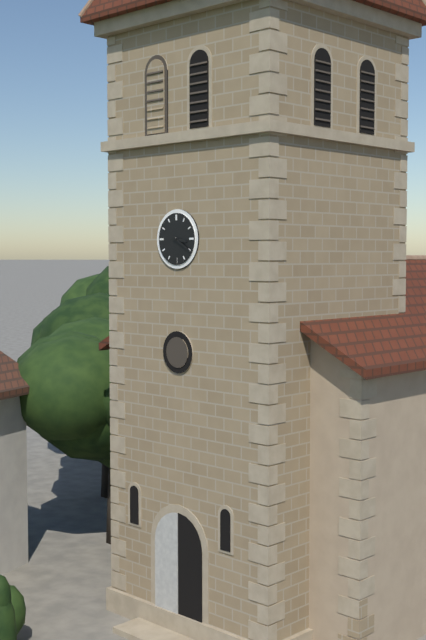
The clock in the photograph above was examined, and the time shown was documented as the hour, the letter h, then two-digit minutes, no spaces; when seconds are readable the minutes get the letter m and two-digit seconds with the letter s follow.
3h20
